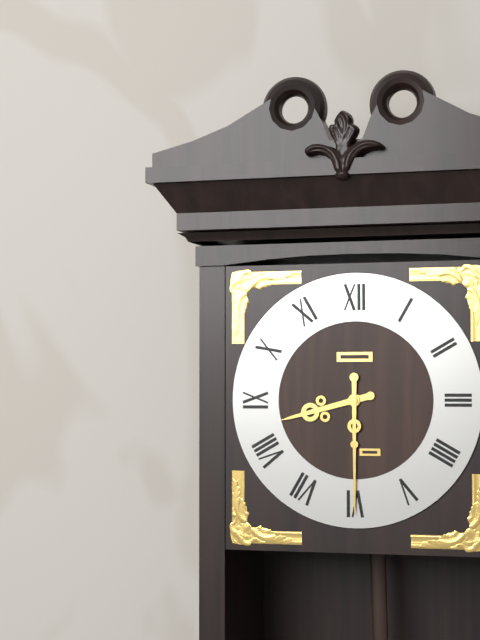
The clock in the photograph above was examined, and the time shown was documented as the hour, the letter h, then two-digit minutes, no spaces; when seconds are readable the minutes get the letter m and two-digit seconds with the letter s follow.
8h30
